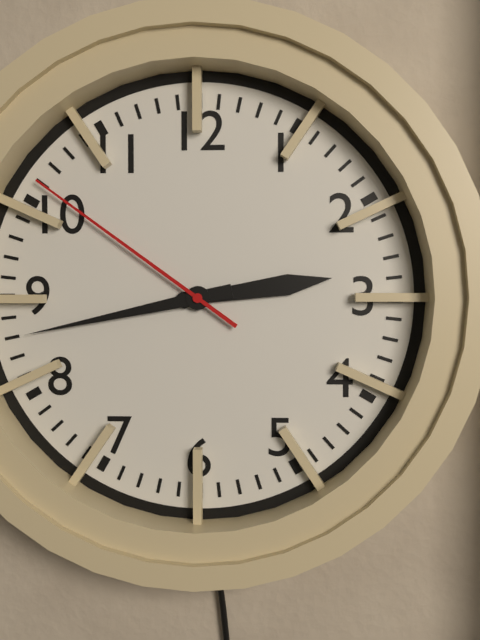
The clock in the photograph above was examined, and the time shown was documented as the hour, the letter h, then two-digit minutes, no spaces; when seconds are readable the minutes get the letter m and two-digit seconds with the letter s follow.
2h43m51s
